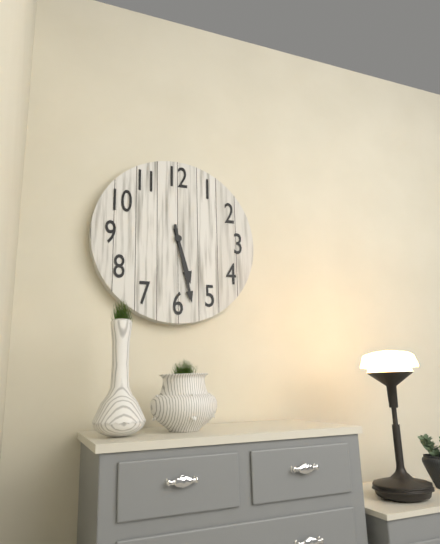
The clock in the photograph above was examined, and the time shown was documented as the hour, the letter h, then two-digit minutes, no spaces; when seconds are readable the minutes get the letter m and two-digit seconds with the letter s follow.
5h28
